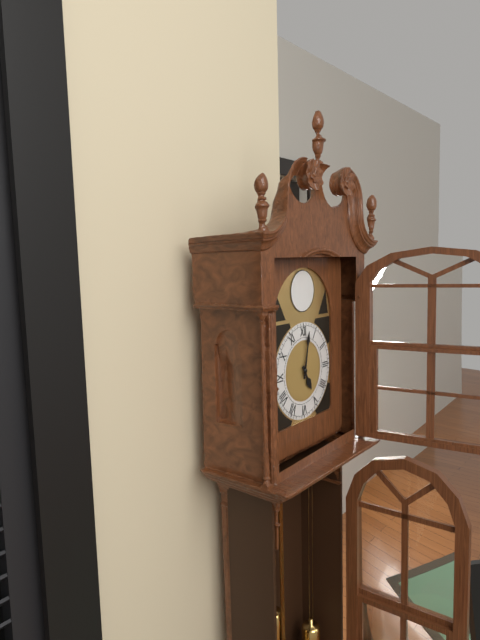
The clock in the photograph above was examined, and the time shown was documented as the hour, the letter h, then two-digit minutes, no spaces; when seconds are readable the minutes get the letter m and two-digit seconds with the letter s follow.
5h02
